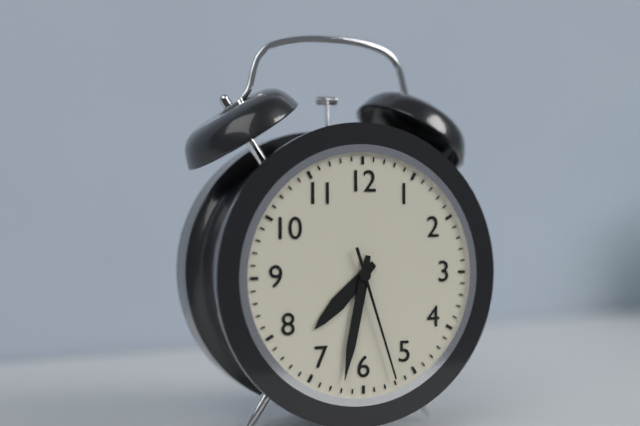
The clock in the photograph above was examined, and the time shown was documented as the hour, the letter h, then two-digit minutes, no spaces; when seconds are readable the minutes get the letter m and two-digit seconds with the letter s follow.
7h32m27s
